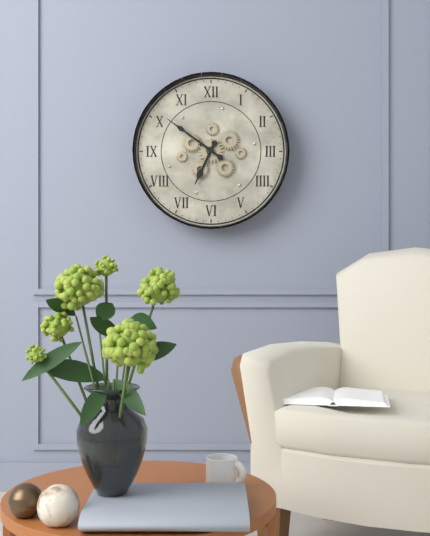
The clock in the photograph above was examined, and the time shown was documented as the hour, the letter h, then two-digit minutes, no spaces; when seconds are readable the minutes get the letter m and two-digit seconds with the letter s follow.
6h51
